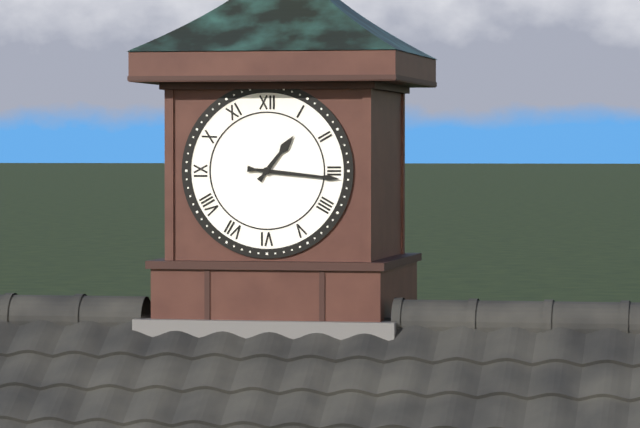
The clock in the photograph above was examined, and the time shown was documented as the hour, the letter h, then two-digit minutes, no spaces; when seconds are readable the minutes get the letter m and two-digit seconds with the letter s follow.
1h16
